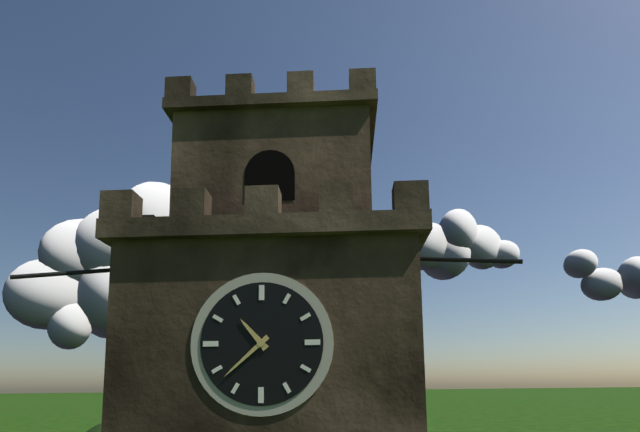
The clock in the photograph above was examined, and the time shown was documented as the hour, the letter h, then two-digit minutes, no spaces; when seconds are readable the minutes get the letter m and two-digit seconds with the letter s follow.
10h38
